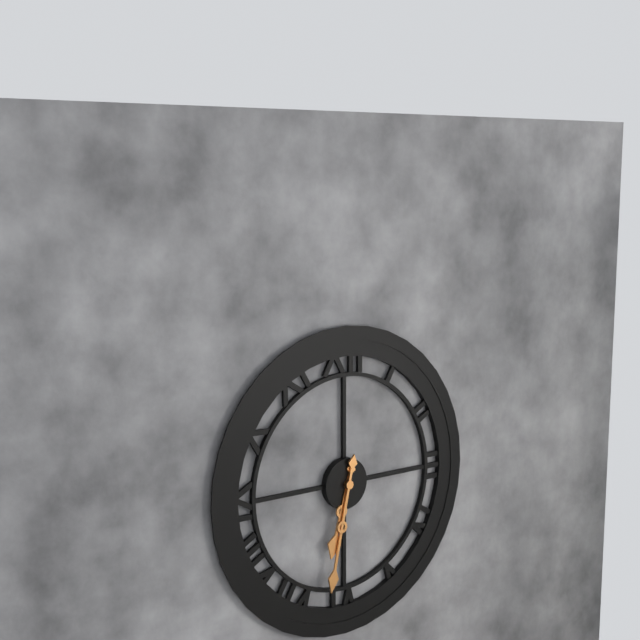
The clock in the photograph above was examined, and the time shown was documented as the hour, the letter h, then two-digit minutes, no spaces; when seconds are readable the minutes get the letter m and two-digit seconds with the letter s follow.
6h32
